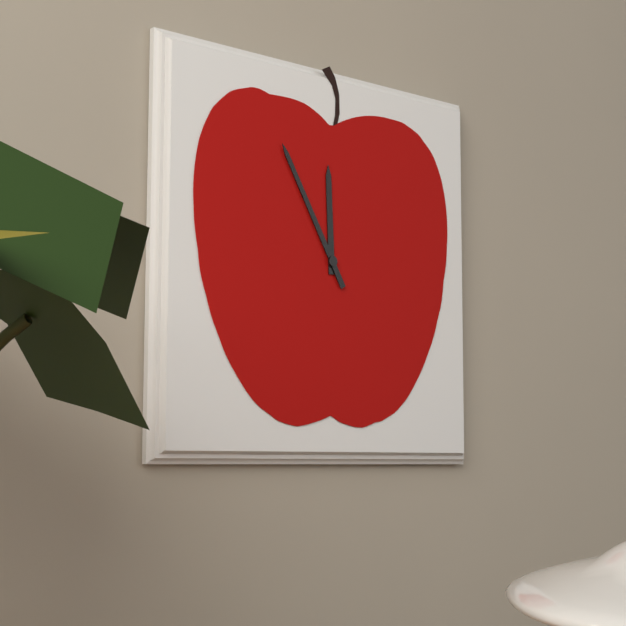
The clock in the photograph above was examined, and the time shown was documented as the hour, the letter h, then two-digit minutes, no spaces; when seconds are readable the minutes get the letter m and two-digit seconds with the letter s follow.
11h55
